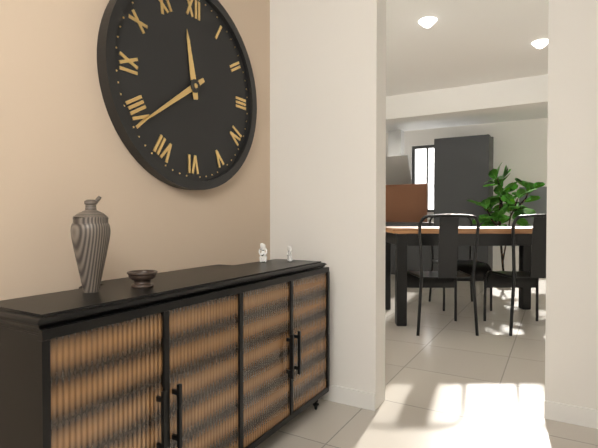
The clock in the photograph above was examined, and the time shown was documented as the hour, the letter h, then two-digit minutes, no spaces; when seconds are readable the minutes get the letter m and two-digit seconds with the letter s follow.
11h39
